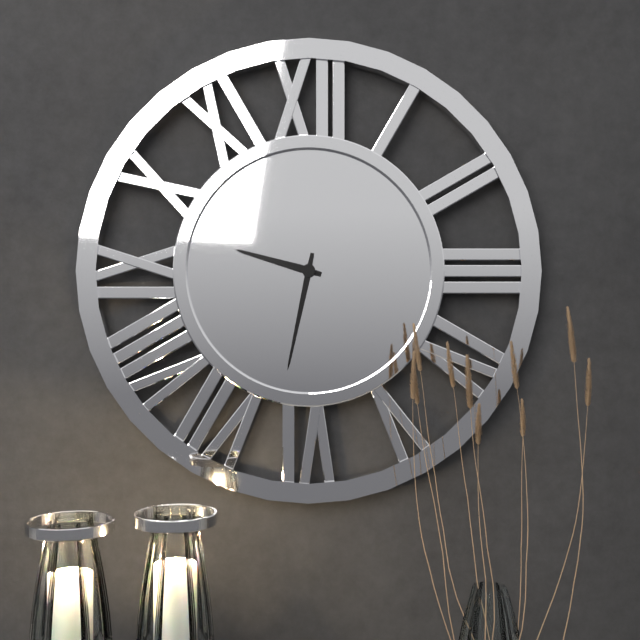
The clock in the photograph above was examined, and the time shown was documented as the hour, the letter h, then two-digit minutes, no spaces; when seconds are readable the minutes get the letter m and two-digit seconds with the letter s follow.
9h32
